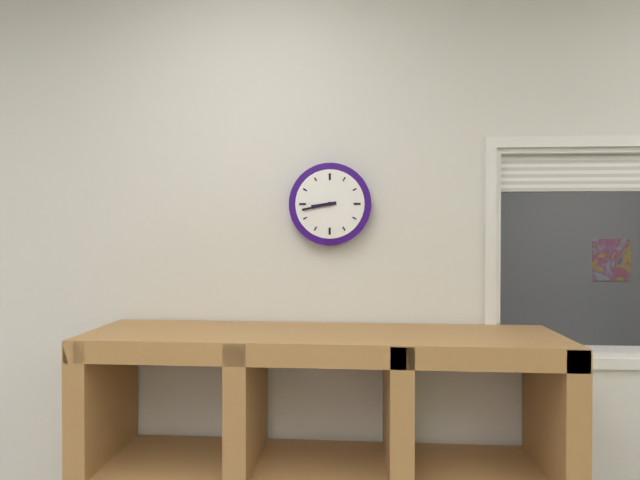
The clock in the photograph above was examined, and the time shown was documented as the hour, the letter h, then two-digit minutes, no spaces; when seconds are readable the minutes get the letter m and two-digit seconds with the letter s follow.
8h43
